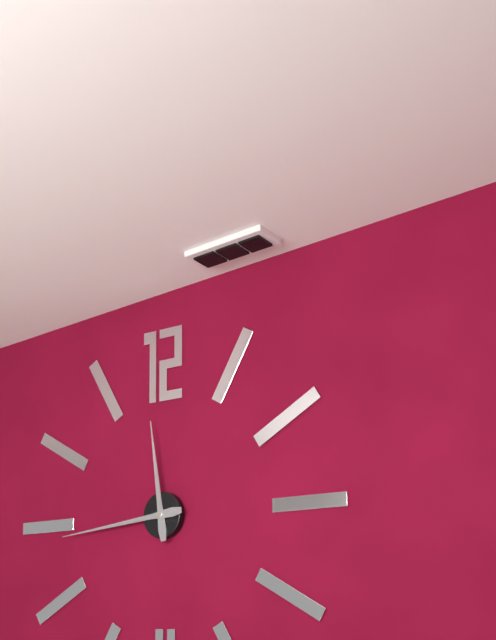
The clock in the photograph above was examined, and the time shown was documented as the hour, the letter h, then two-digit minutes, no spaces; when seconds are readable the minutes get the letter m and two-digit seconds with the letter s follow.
11h44
